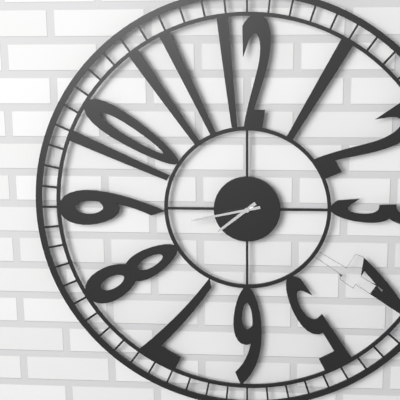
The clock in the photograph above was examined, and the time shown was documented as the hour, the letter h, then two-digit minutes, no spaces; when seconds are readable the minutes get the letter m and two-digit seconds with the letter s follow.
7h43
